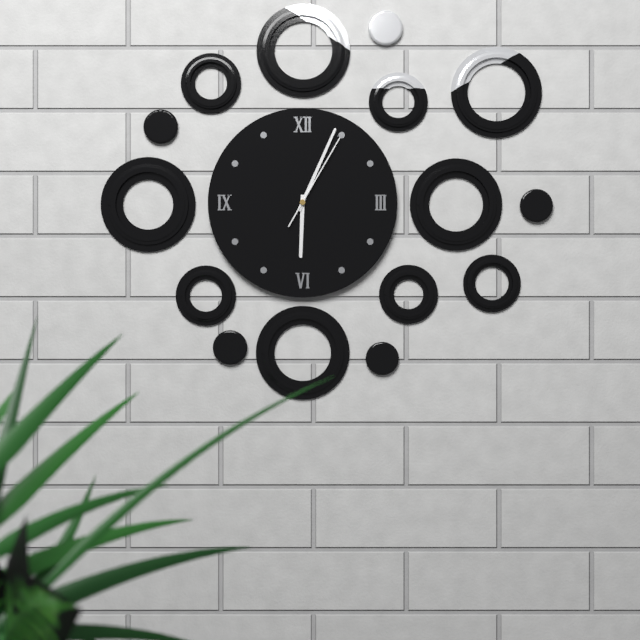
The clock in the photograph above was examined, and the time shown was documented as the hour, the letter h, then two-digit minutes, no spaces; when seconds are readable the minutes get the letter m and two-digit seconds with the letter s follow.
6h04m05s
